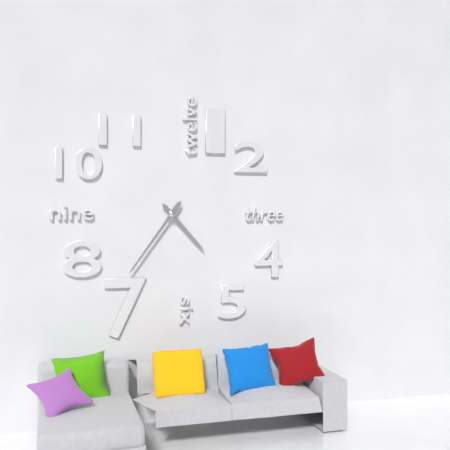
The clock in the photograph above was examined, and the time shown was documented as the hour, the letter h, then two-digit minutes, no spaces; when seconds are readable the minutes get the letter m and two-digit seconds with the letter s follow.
4h36
